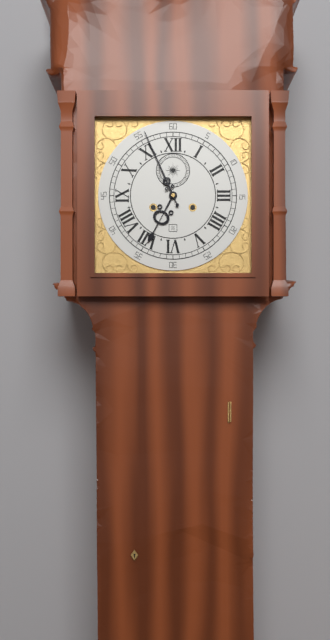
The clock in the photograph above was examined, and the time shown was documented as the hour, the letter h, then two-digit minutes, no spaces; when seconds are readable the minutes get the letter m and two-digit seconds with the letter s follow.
6h56
